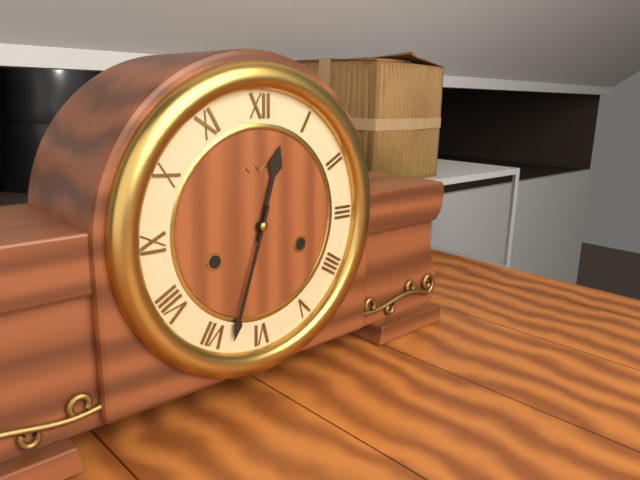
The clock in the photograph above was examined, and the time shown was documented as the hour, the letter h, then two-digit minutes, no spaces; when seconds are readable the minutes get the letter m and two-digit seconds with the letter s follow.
12h33
